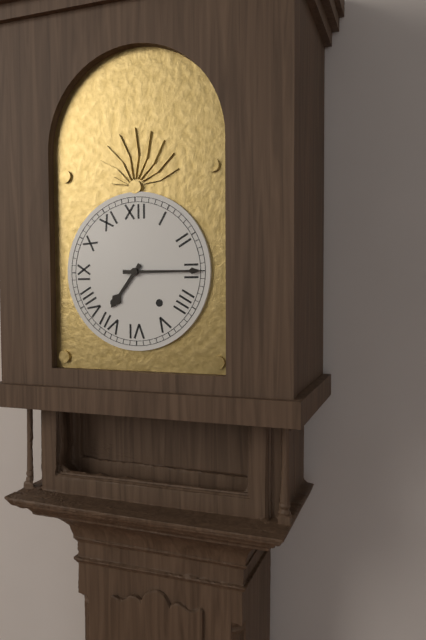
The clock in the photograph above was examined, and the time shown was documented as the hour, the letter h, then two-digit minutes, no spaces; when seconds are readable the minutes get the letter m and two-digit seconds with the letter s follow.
7h15
